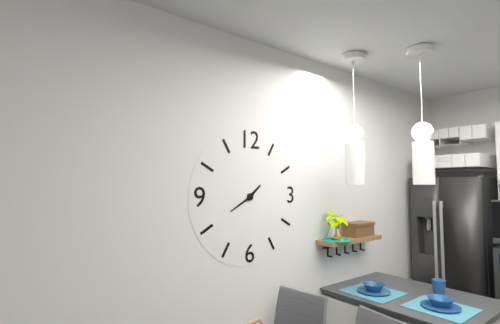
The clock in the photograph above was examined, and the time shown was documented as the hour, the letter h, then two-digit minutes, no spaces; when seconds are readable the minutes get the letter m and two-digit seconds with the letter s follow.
1h40
